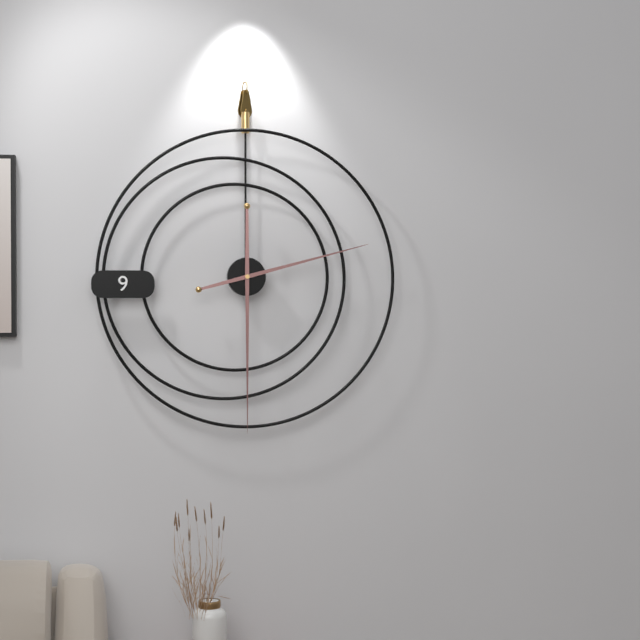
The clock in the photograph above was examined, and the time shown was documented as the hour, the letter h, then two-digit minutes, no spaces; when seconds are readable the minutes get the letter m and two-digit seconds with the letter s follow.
2h30
